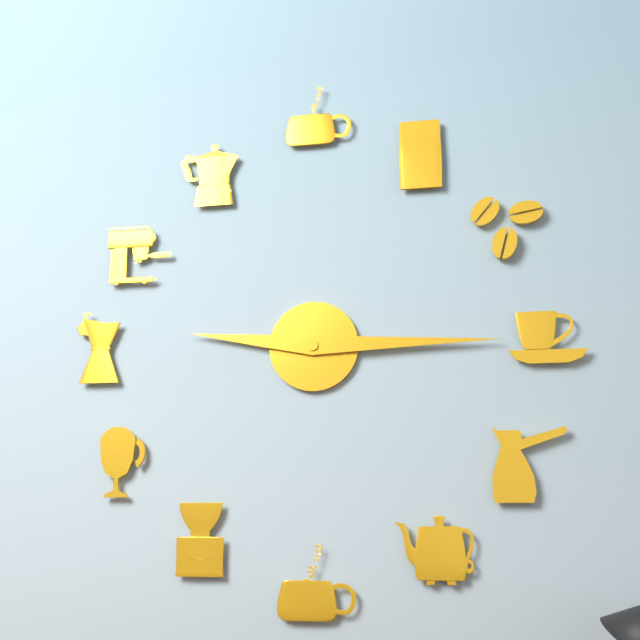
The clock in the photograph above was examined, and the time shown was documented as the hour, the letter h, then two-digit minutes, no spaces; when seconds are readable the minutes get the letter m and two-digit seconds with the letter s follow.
9h15
